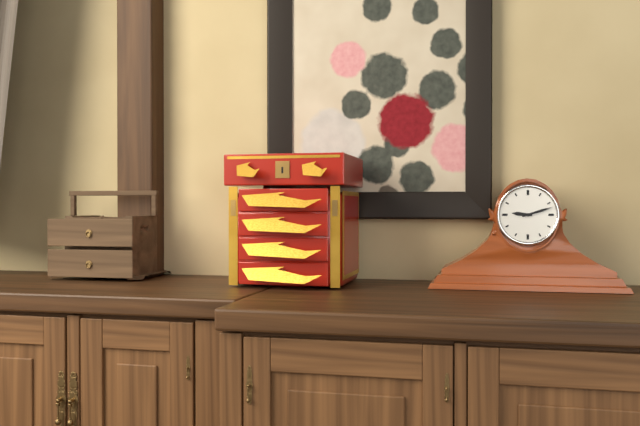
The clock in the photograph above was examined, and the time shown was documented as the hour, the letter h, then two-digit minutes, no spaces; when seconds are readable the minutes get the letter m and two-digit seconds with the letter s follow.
9h12
